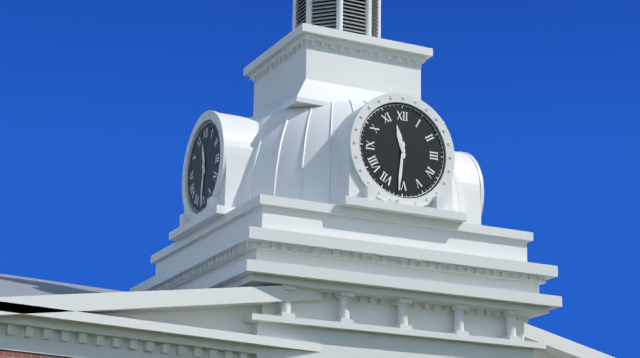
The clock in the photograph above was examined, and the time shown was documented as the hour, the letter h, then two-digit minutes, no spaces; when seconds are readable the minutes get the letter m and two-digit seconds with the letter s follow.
11h31
